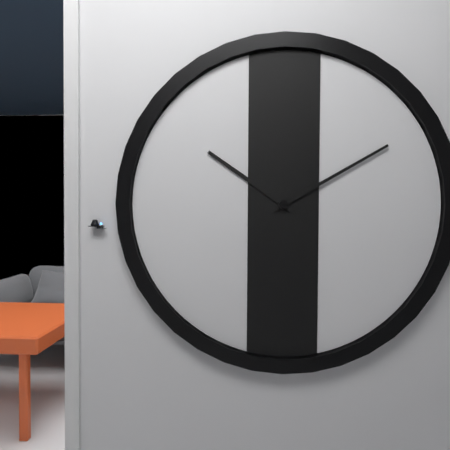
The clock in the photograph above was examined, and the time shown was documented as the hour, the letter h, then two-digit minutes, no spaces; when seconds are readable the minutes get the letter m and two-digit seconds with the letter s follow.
10h10
